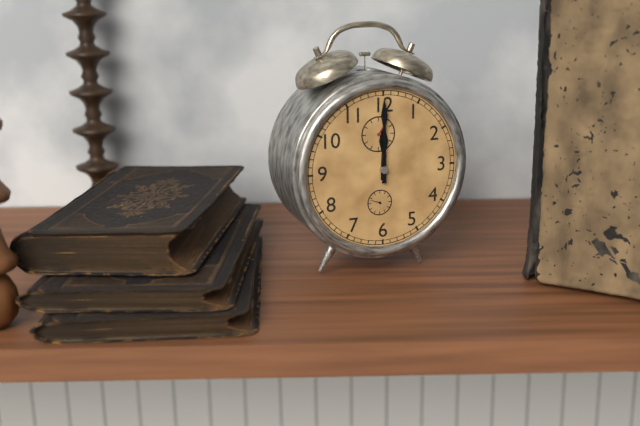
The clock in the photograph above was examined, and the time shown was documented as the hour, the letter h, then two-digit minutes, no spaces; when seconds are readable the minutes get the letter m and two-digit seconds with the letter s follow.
12h00
